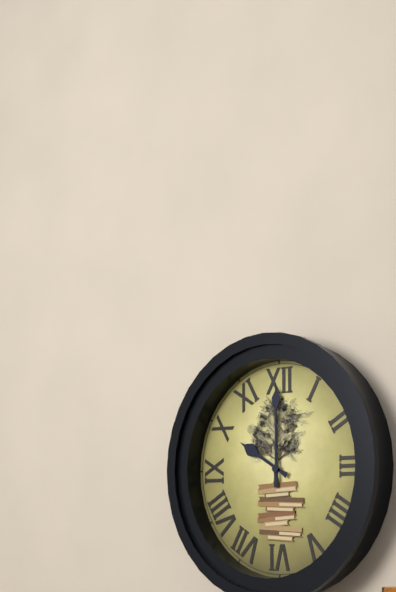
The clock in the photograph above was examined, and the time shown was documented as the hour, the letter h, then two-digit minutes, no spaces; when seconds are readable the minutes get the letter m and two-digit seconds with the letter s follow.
10h00
